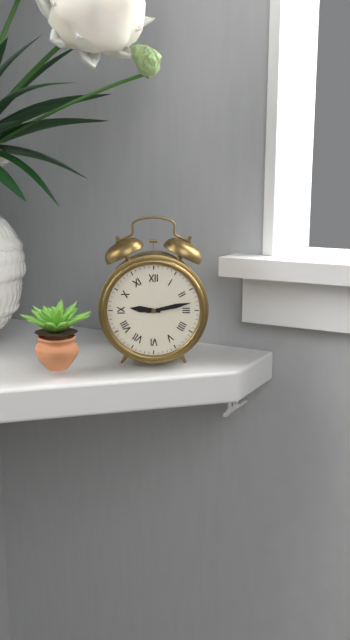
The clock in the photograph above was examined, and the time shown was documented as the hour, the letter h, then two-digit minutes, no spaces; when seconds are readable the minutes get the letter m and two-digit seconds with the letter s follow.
9h13
